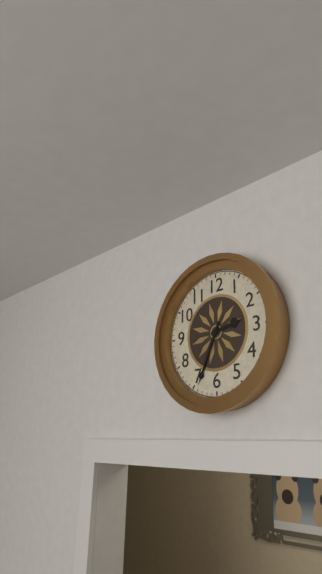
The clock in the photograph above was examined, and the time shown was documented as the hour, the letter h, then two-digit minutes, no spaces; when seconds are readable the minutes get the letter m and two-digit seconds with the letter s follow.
2h34
